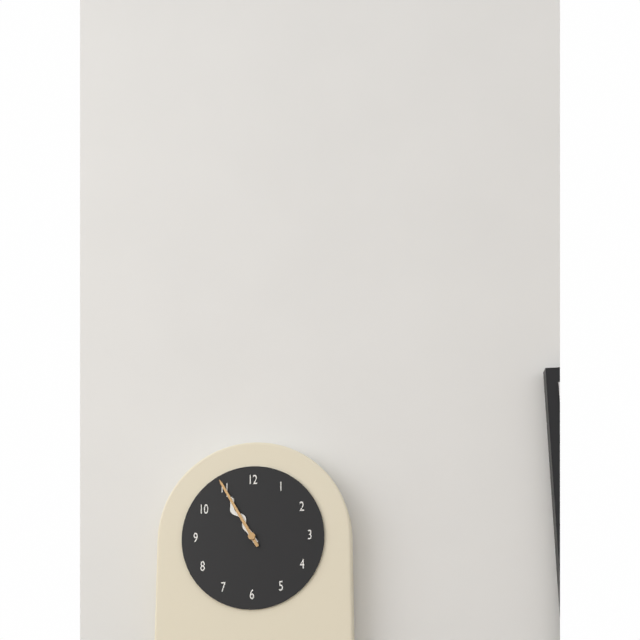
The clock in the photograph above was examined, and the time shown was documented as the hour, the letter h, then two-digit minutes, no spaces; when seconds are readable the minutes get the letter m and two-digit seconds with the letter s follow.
10h55
